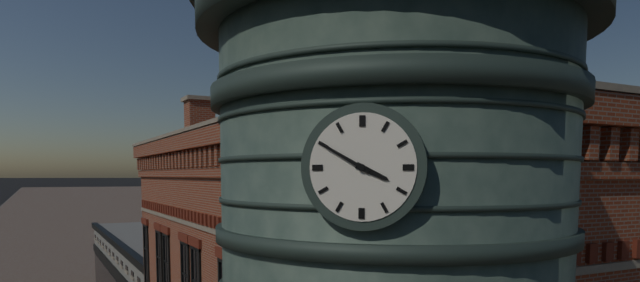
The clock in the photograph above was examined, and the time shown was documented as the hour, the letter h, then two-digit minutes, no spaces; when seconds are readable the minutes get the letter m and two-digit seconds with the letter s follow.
3h50
